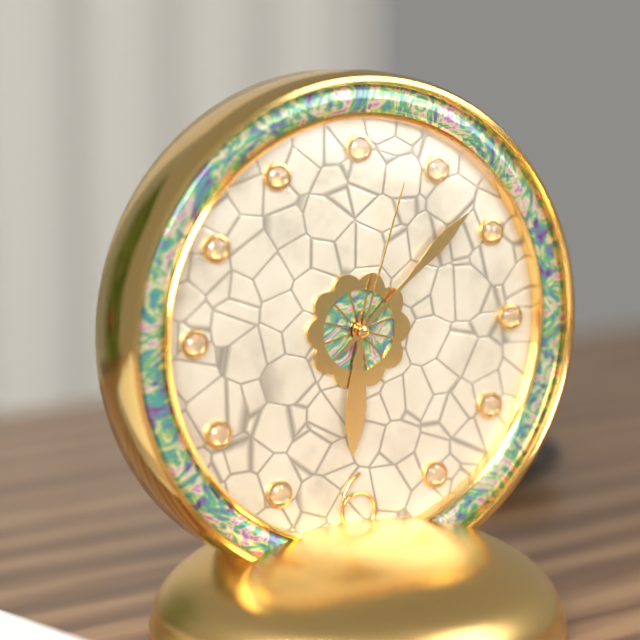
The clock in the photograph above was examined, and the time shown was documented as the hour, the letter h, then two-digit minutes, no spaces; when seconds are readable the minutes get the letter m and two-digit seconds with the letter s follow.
6h08m03s
